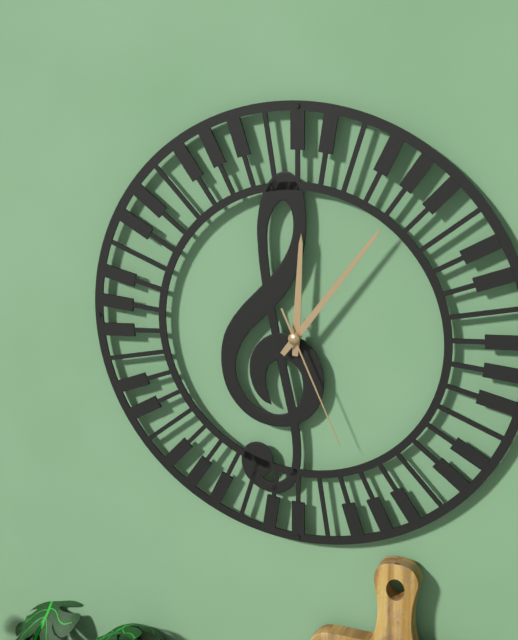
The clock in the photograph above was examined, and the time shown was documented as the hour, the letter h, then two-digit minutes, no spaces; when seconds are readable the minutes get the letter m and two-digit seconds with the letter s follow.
12h06m26s
